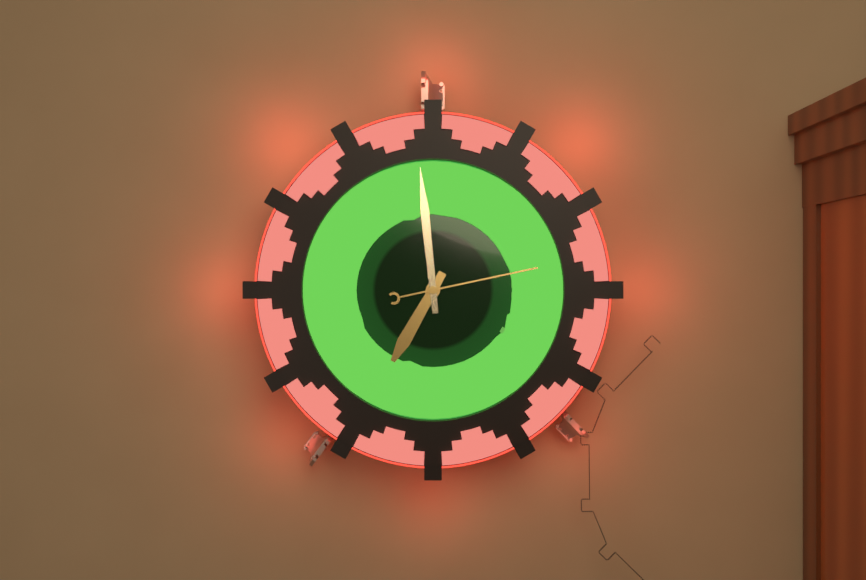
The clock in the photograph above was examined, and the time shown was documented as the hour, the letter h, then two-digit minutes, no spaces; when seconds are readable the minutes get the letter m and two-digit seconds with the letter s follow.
6h59m13s
